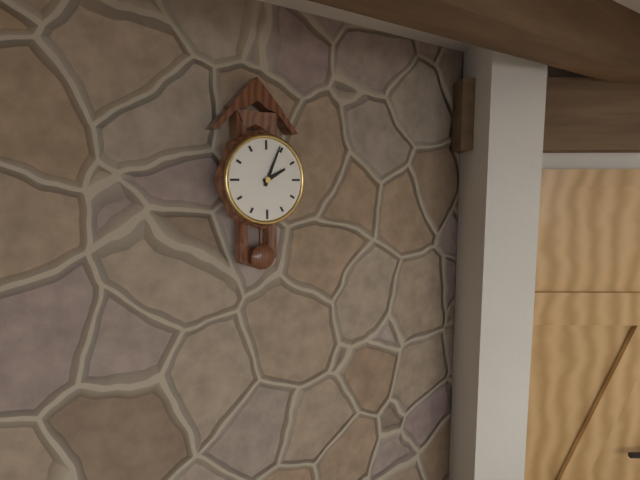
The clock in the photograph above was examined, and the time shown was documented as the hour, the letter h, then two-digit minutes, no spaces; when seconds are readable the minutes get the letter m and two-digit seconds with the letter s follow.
2h04
